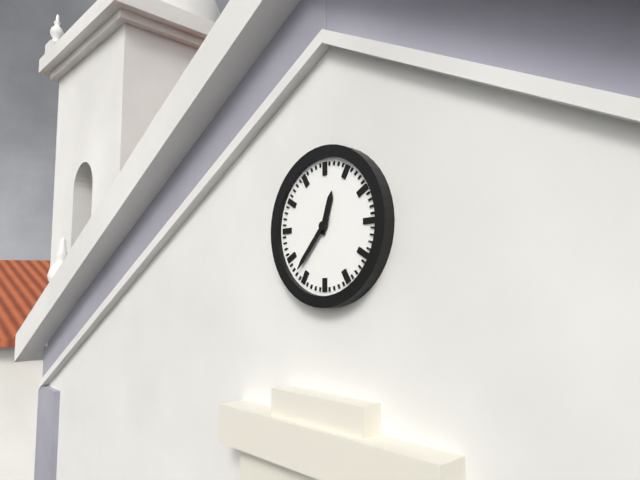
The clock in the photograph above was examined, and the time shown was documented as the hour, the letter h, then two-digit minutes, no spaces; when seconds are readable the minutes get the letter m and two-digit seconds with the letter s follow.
12h37
